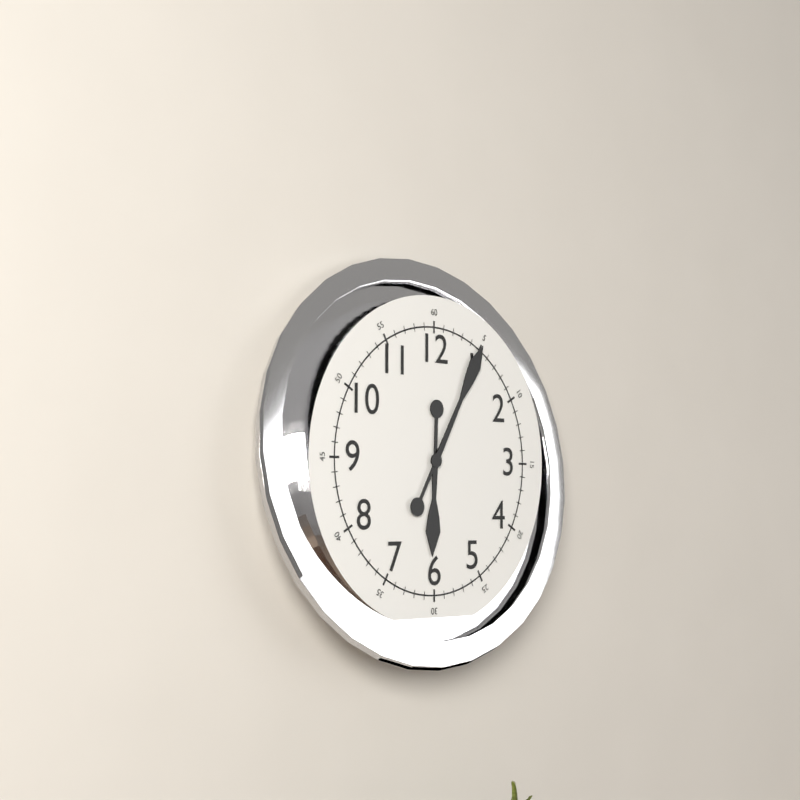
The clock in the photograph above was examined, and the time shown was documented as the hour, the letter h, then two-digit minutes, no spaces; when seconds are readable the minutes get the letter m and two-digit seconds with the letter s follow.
6h05
